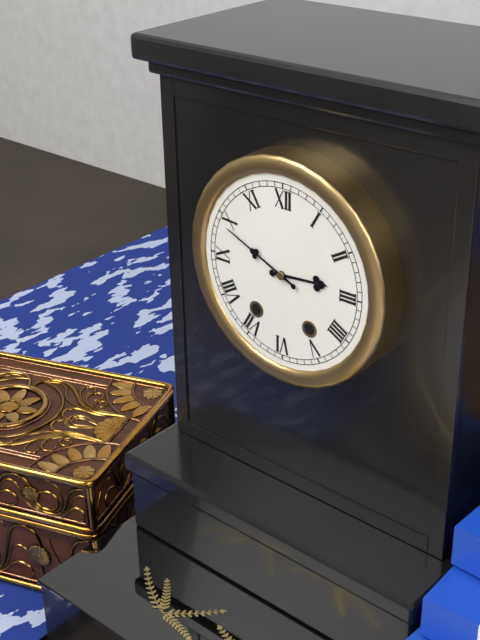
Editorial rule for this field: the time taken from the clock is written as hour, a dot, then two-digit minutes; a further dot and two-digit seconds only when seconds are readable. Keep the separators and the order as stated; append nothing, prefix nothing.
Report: 2.49
